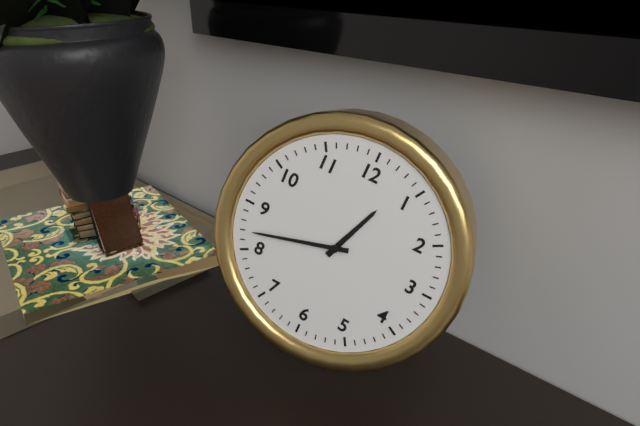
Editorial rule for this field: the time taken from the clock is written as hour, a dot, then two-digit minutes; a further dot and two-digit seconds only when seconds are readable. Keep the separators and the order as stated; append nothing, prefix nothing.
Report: 12.42
